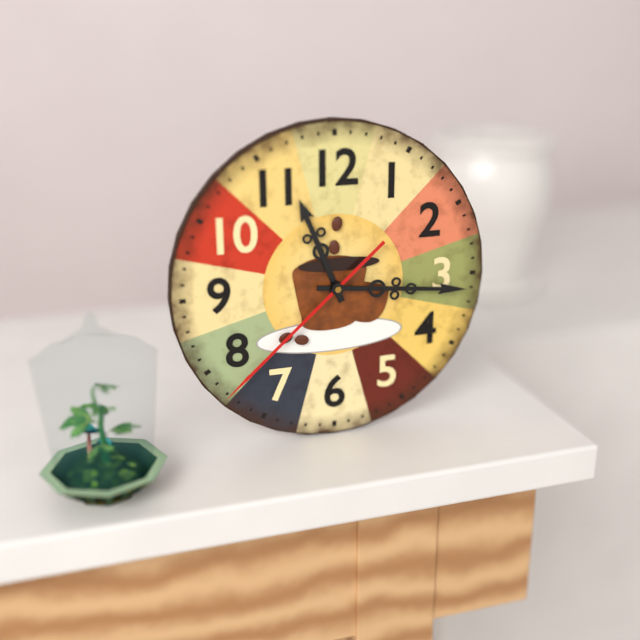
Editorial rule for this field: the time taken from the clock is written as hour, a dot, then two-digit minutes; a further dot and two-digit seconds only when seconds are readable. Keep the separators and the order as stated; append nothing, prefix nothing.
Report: 11.16.38
